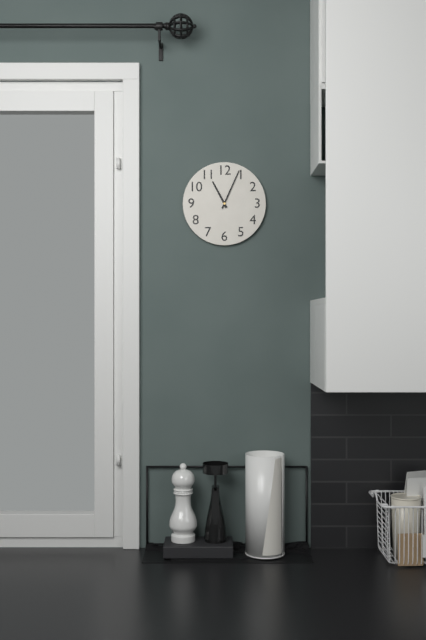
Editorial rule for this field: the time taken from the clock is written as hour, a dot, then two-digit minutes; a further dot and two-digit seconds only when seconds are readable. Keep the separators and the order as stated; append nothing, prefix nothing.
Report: 11.04
